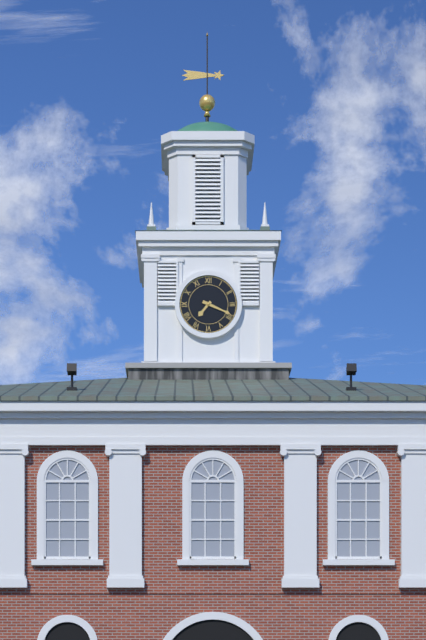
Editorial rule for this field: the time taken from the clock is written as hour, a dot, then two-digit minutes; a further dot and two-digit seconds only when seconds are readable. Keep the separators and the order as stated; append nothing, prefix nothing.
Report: 7.19
